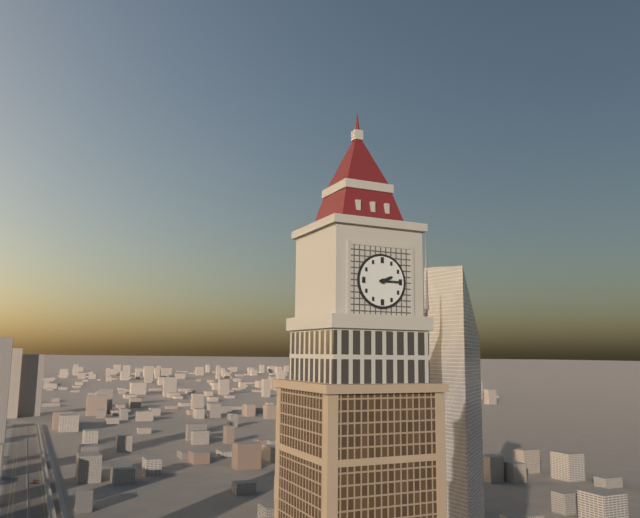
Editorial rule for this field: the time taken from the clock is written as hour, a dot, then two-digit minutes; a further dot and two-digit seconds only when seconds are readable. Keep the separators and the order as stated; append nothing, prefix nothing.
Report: 2.15
